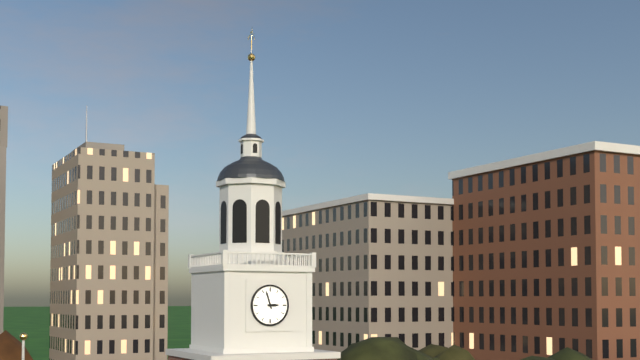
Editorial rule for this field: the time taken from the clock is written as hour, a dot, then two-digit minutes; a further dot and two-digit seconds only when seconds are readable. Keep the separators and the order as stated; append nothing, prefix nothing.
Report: 2.57
